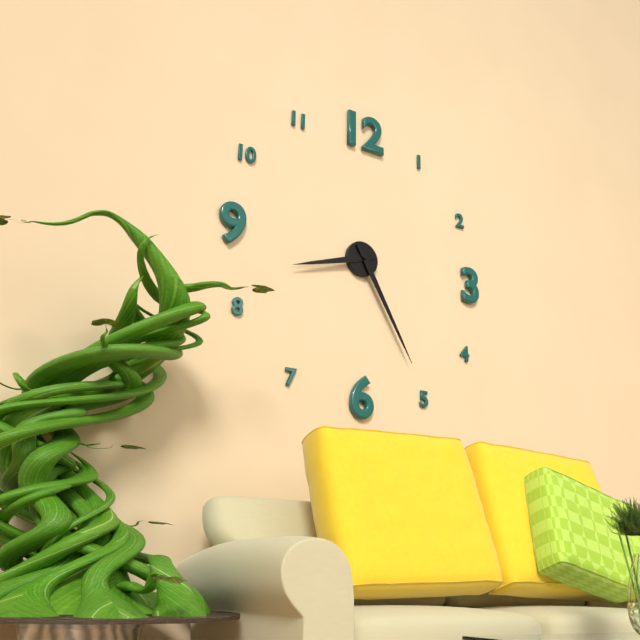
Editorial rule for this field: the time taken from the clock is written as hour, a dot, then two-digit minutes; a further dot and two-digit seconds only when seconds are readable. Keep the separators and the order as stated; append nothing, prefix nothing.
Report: 8.25
